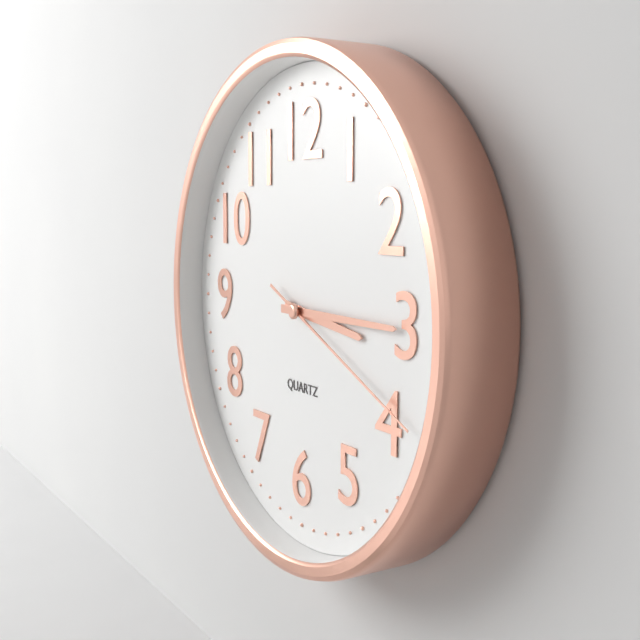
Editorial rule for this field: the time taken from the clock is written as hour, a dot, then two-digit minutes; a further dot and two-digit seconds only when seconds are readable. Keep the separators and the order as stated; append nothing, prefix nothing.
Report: 3.15.19
